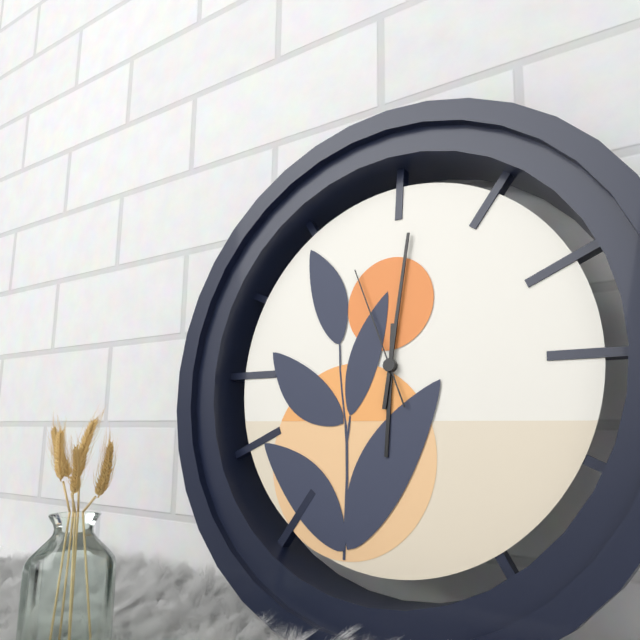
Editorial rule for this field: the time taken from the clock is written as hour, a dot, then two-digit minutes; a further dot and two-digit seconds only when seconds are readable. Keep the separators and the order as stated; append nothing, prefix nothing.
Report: 6.01.56
